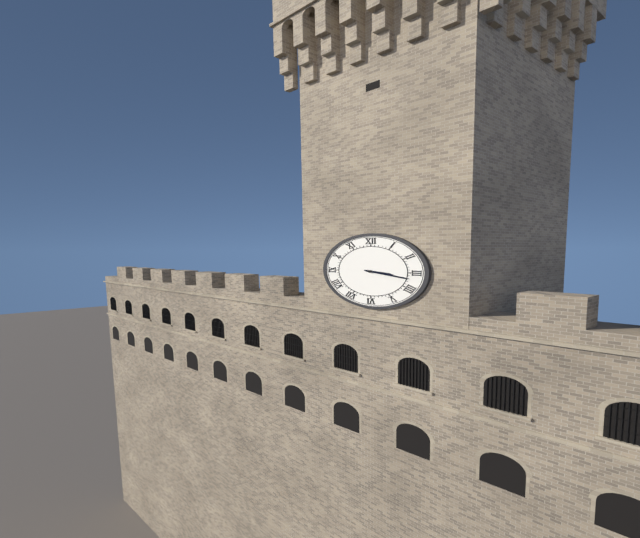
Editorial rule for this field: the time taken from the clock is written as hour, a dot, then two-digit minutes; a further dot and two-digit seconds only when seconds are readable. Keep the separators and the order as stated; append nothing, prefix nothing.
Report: 3.17
